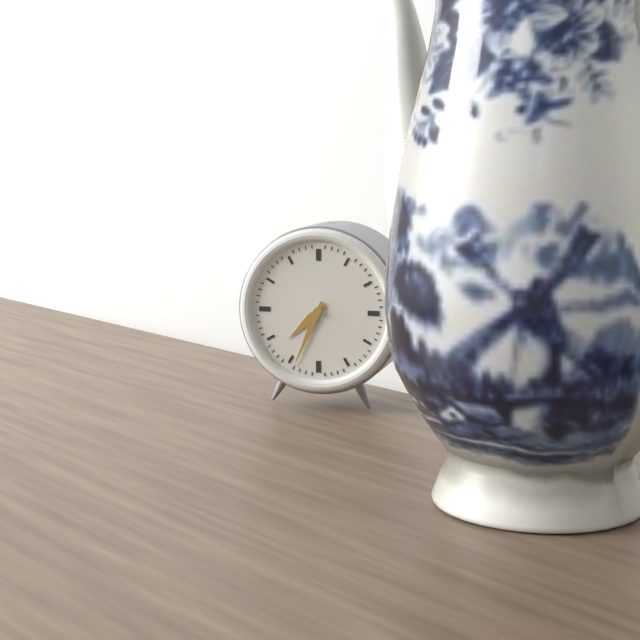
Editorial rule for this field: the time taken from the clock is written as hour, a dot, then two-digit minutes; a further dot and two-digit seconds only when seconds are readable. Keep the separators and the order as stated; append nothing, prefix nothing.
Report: 7.34
